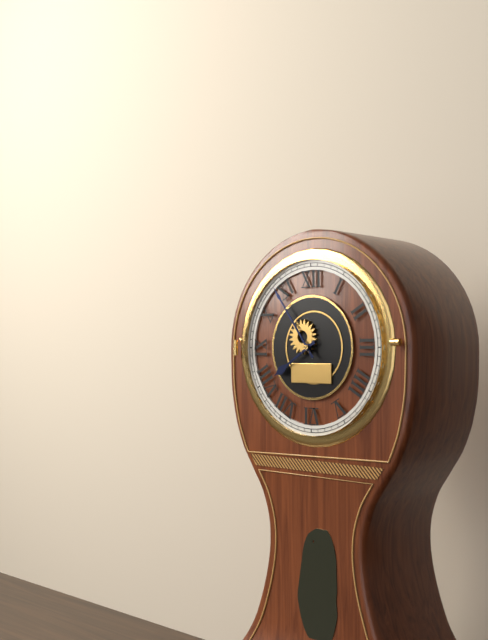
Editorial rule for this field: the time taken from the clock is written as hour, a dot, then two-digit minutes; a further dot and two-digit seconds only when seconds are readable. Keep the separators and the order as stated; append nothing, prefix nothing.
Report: 7.54
